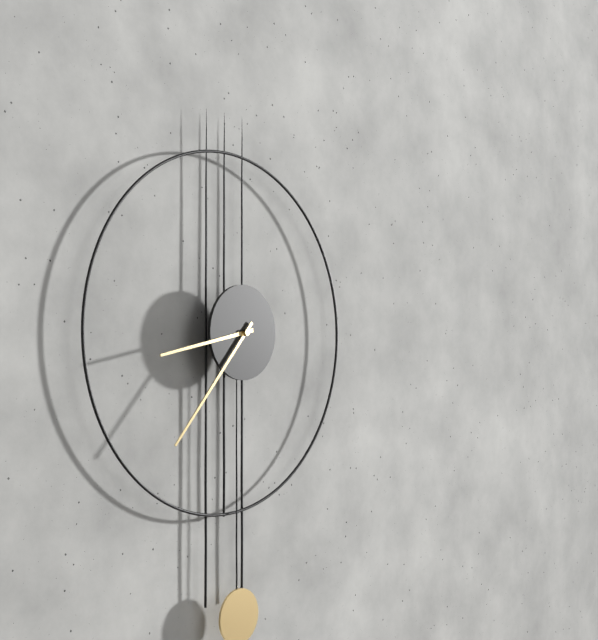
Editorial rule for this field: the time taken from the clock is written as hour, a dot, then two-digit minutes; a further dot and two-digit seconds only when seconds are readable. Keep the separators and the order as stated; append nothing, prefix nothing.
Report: 8.37
